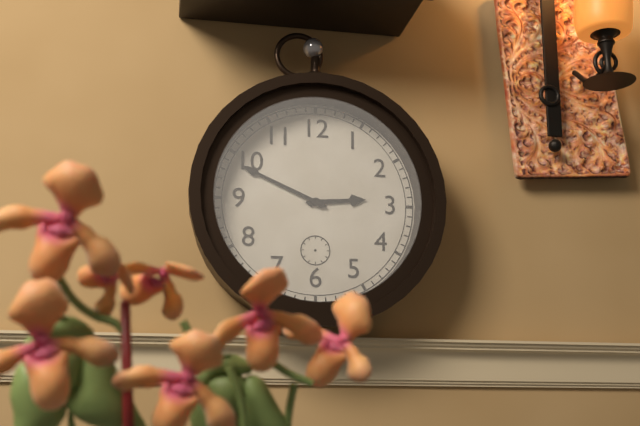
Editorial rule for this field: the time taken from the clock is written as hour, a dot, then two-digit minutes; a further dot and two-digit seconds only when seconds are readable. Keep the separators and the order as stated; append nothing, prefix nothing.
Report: 2.49
